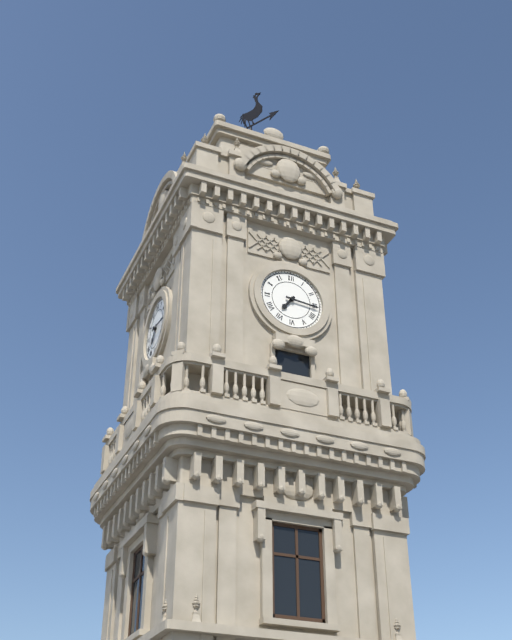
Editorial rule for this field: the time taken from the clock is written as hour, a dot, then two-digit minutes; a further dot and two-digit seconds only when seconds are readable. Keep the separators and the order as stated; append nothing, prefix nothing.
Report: 7.16
